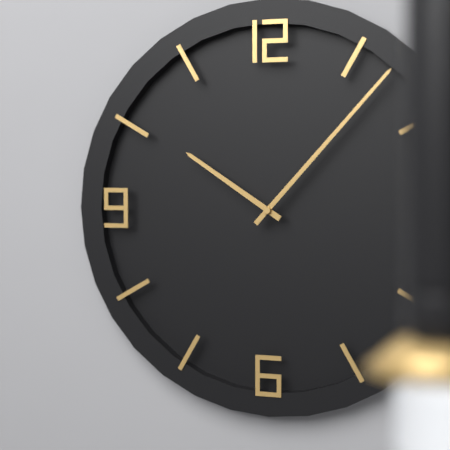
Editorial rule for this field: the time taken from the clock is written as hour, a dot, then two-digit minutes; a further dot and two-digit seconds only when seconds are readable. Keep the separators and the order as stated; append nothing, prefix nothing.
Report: 10.07
